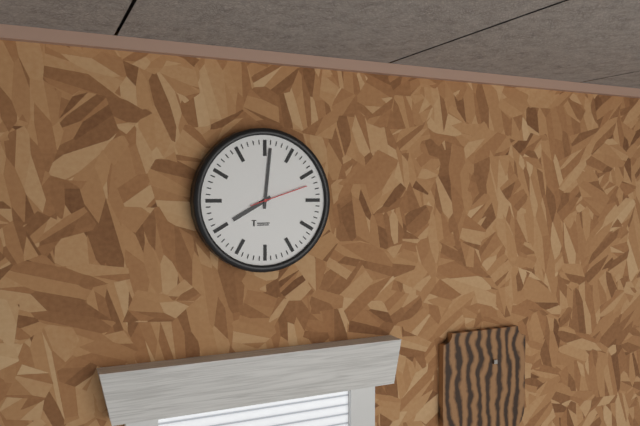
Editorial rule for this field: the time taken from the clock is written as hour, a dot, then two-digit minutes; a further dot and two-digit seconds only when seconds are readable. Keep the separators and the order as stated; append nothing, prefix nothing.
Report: 8.01.12
